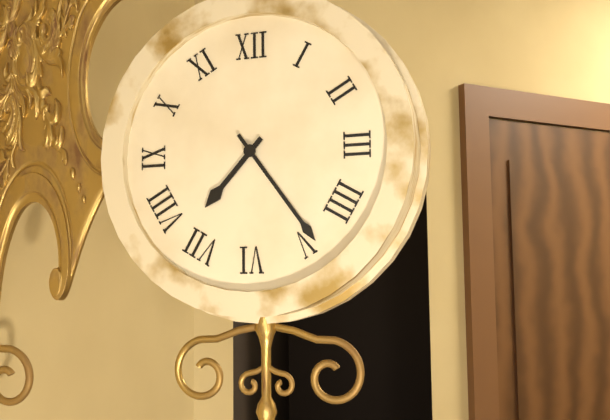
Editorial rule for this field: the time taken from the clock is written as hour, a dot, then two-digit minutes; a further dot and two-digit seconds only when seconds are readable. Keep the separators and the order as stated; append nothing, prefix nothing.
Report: 7.24
